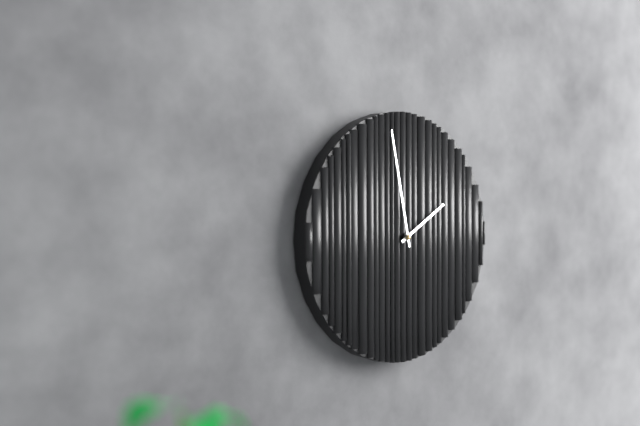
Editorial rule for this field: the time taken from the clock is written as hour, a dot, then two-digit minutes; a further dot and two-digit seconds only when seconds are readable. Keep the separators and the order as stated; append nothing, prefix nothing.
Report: 1.58
